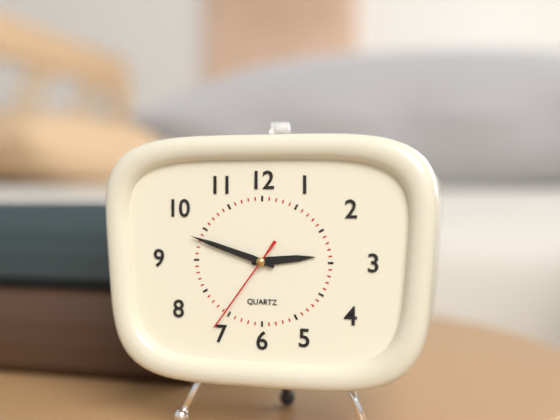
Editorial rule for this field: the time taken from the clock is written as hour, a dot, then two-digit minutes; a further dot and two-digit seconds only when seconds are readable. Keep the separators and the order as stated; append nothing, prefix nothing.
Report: 2.48.36
